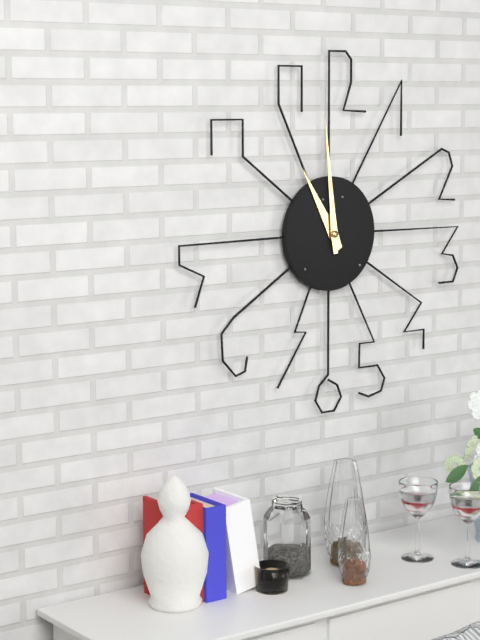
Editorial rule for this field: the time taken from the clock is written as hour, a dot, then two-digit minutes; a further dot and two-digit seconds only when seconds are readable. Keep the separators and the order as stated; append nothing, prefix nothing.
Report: 10.59
